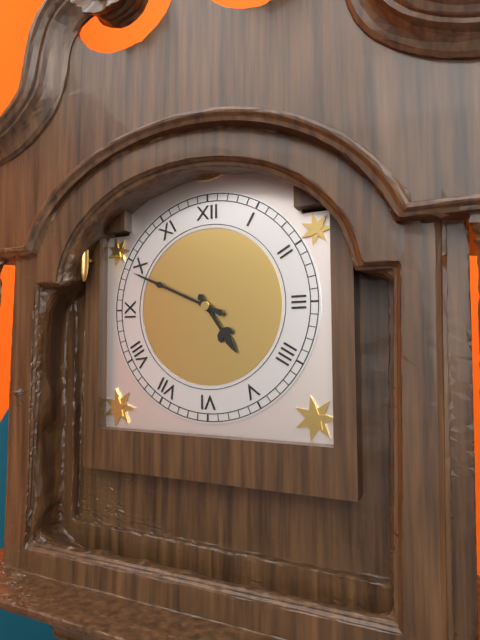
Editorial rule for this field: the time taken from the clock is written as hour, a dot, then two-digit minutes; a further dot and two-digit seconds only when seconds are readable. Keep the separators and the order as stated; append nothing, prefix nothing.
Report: 4.49
